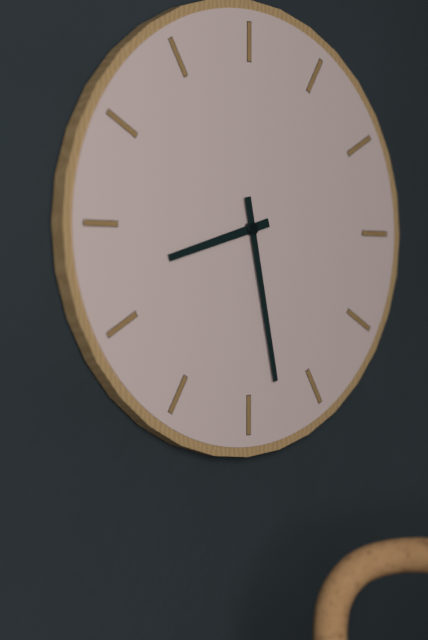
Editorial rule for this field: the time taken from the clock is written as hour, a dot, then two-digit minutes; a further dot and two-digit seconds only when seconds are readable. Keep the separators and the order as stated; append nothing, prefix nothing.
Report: 8.28
